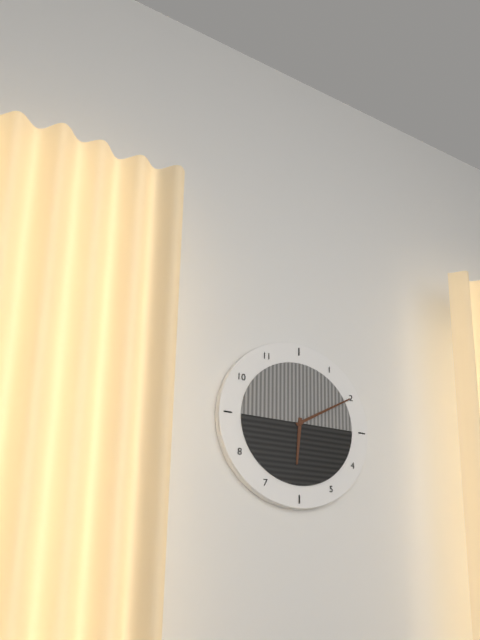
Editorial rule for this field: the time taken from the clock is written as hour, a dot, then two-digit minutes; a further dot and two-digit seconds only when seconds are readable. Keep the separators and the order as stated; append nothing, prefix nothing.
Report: 6.10
